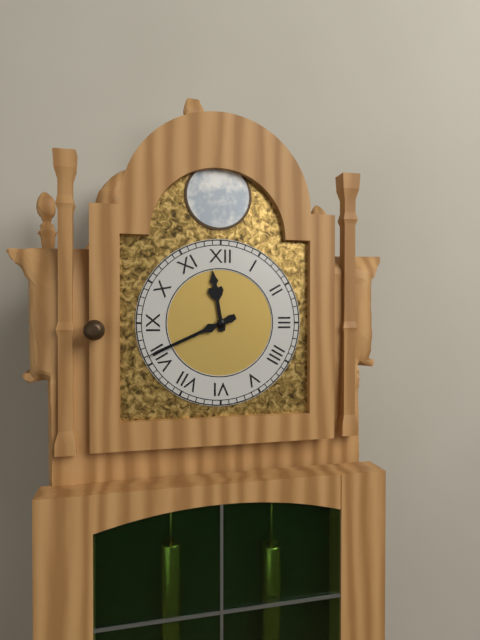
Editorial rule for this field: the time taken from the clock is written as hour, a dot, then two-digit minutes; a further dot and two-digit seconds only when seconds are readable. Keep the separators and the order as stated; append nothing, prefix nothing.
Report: 11.41
